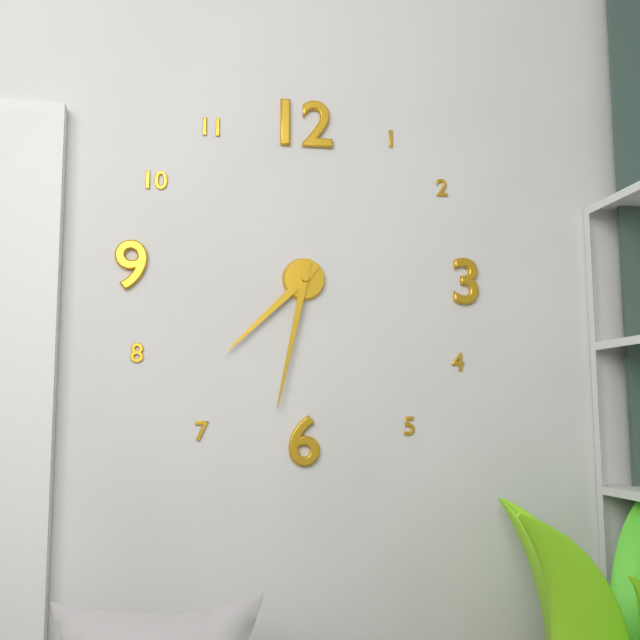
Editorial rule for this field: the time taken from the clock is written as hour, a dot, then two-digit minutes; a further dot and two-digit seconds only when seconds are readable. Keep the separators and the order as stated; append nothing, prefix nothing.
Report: 7.32
